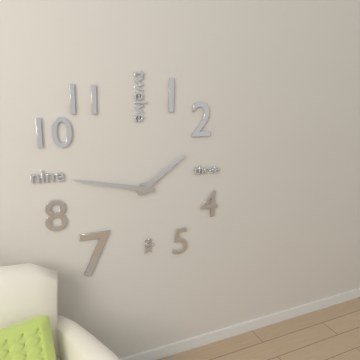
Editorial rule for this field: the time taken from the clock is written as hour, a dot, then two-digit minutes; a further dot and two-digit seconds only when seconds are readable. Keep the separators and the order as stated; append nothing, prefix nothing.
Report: 1.47
